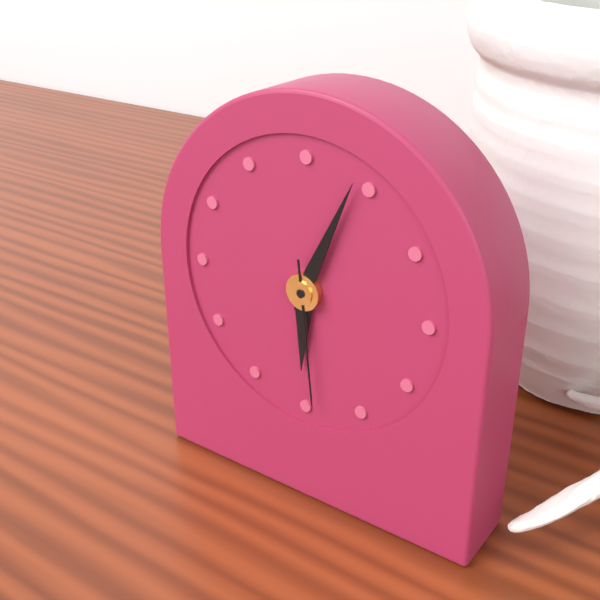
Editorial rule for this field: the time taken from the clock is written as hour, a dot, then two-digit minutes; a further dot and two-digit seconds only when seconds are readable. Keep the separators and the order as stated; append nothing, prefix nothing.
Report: 6.04.29
